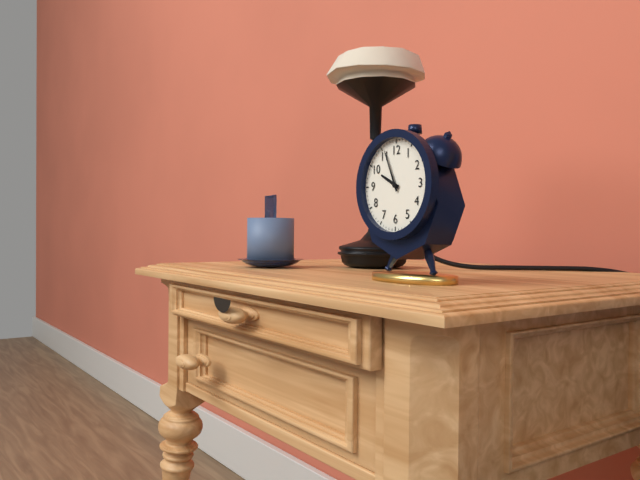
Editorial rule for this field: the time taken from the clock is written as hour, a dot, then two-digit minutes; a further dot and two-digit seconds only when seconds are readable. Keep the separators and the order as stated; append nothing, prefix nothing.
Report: 9.56
